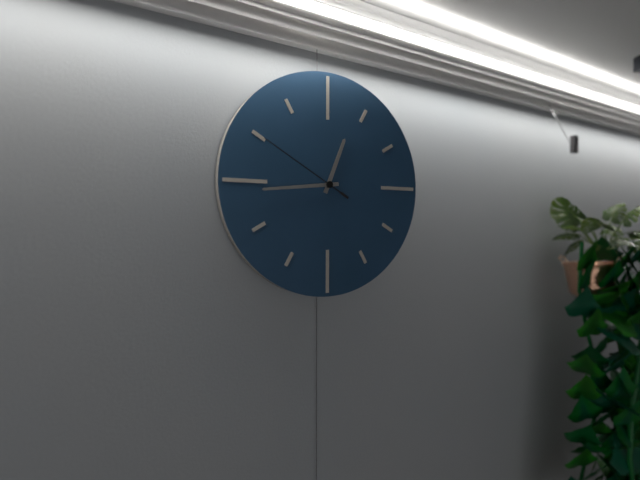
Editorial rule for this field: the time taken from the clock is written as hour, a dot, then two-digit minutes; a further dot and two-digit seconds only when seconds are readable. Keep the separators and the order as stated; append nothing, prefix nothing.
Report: 12.44.50
